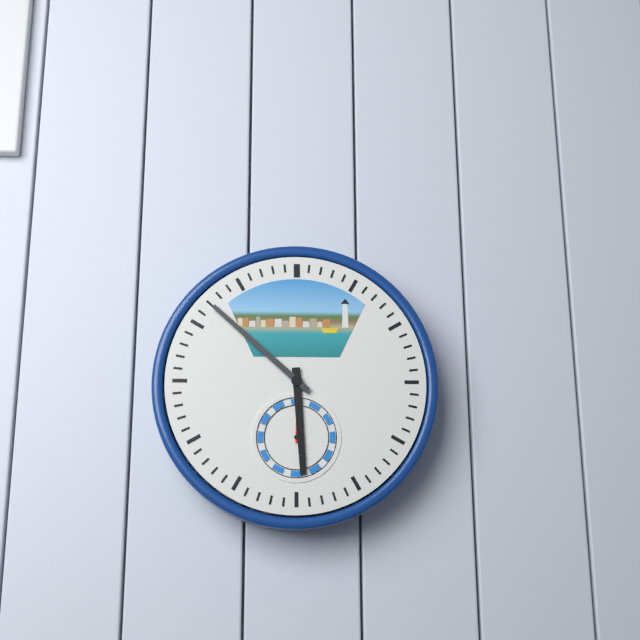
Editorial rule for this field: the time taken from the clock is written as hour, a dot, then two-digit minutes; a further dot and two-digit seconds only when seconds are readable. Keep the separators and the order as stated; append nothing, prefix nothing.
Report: 5.52
